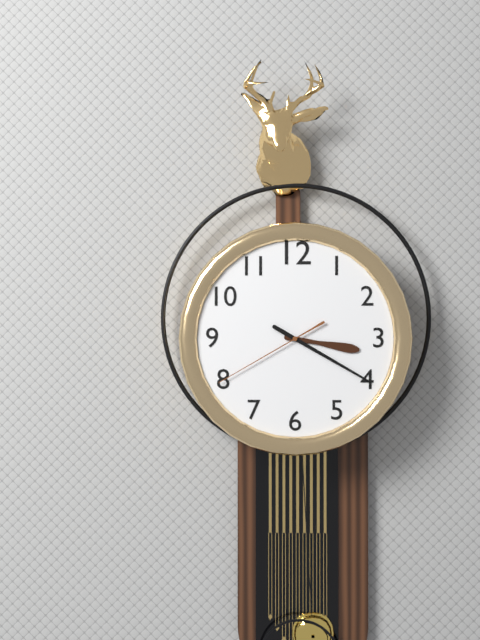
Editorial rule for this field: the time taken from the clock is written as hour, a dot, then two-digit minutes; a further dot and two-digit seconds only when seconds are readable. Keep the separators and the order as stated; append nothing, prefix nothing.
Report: 3.20.40
